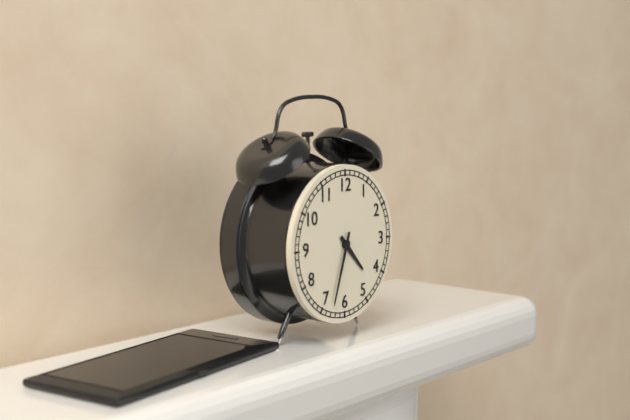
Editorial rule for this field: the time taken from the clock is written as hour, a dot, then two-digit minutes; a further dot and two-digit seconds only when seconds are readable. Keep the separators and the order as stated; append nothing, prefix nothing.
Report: 4.33
